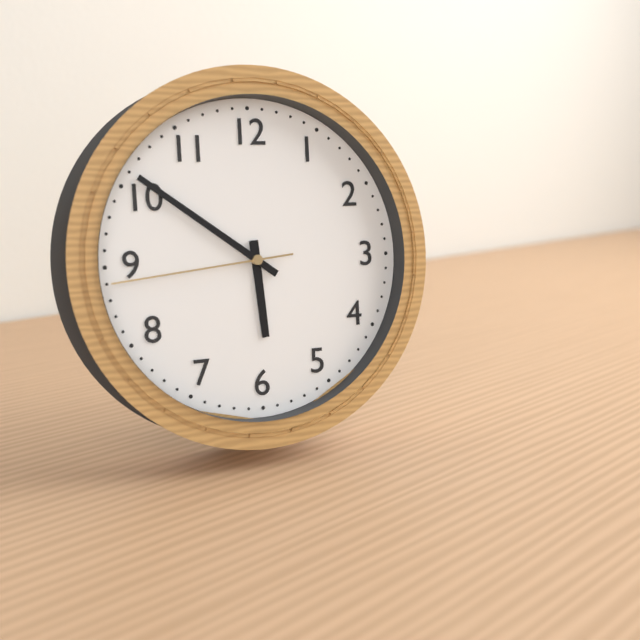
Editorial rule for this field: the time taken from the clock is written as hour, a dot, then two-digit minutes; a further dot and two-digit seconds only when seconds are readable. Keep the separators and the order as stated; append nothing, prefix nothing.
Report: 5.51.44
